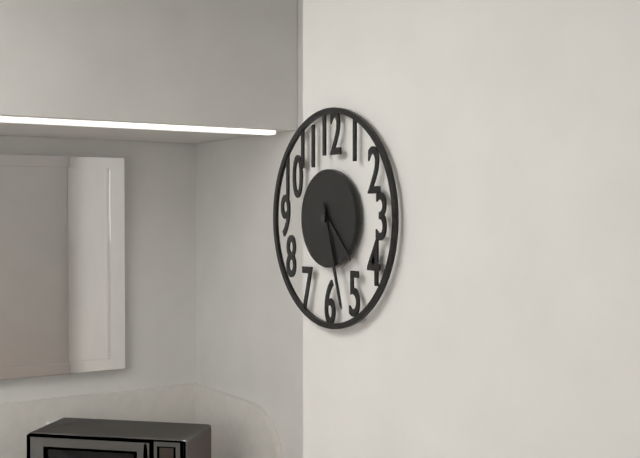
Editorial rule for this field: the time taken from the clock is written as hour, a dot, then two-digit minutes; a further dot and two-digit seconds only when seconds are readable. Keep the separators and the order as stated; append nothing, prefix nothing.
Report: 4.27
